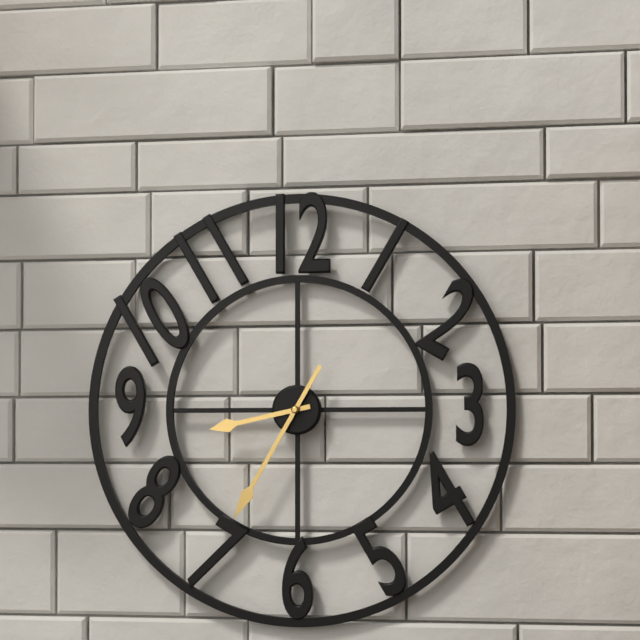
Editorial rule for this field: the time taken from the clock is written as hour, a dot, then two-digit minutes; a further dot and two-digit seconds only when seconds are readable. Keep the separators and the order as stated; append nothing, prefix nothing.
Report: 8.35
